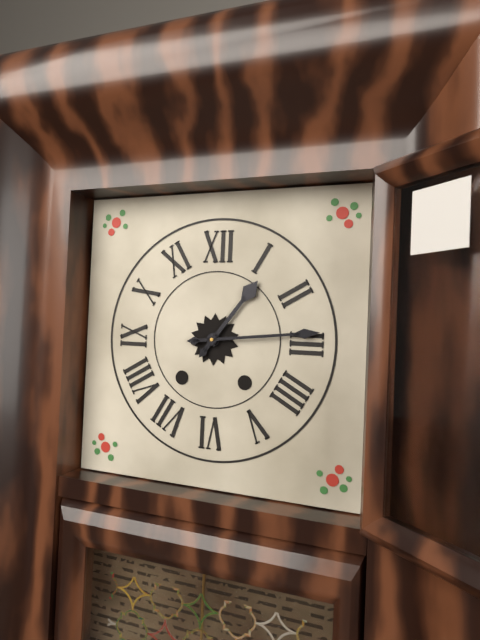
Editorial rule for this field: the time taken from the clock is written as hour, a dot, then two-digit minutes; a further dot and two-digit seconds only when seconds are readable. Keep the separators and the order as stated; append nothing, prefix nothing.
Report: 1.14
